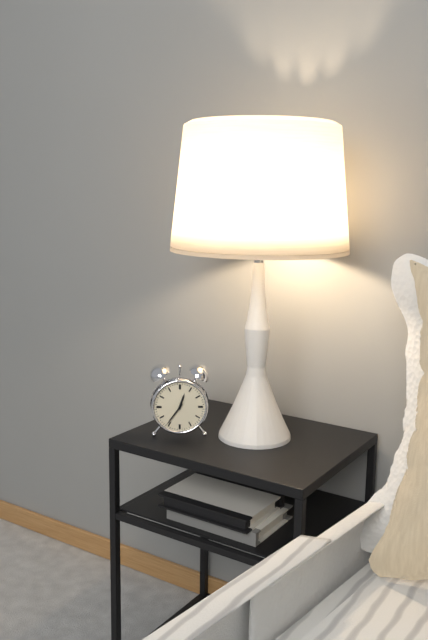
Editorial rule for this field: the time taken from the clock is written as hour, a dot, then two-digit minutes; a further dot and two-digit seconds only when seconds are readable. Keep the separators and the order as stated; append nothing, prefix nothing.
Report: 12.36
